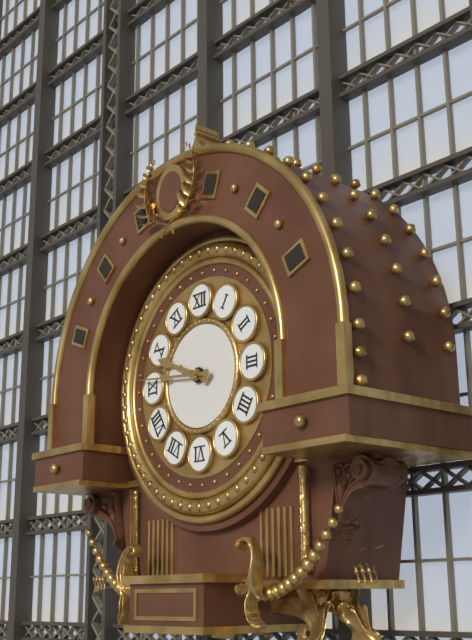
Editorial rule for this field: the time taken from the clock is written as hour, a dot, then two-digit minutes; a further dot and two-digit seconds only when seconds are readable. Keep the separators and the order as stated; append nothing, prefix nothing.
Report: 9.46
